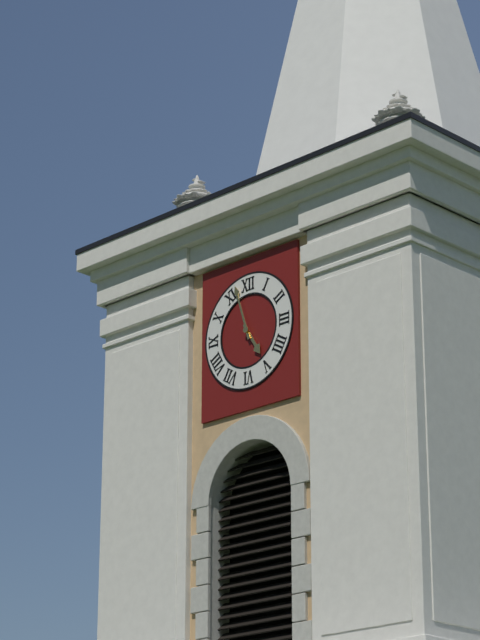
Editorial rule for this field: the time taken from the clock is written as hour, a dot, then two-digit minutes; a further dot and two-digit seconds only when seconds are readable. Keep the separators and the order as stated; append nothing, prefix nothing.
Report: 4.57
